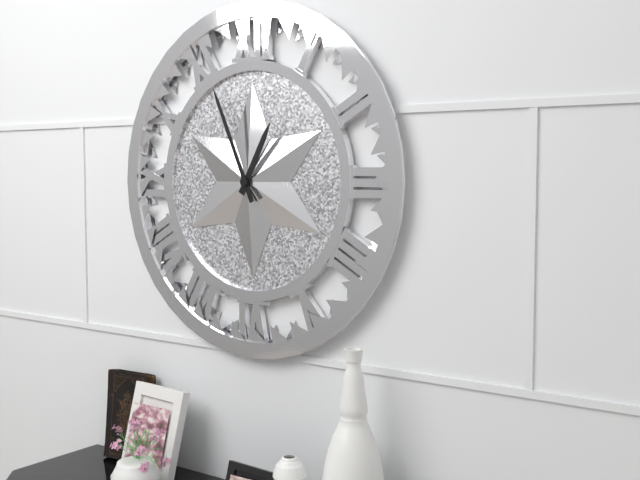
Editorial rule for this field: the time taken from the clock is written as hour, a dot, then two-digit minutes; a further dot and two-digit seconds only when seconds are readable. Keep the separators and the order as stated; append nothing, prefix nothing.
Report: 12.56
